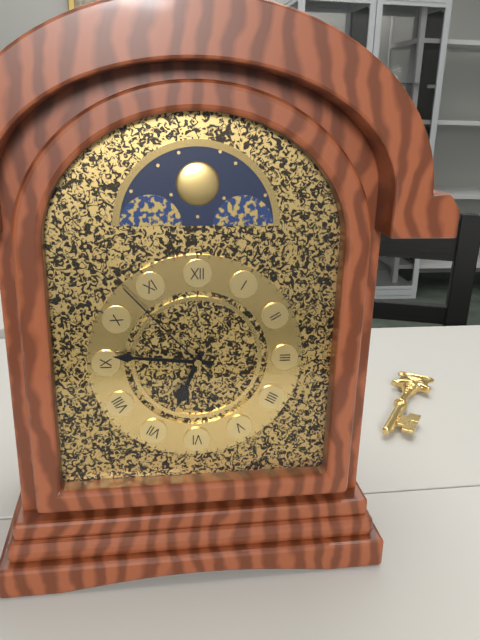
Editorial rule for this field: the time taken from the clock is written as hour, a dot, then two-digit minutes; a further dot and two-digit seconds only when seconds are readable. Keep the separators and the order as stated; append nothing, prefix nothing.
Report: 6.46.53
